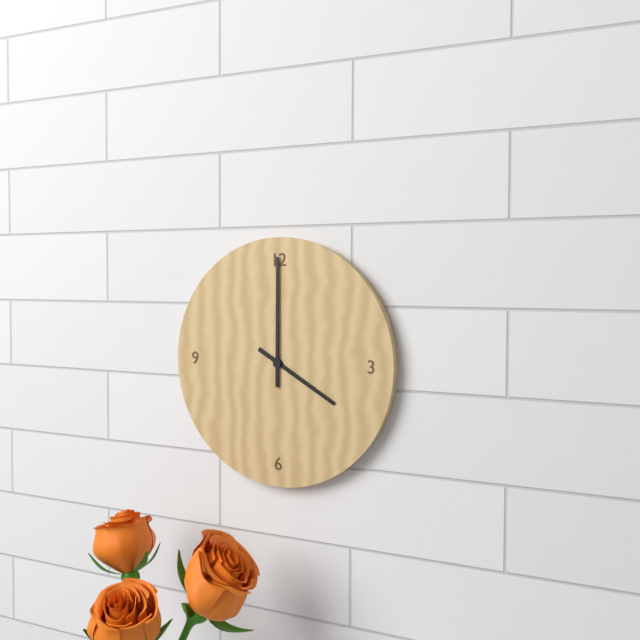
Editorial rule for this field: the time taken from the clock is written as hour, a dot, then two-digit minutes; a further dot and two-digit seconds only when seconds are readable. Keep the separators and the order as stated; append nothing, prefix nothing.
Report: 4.00
